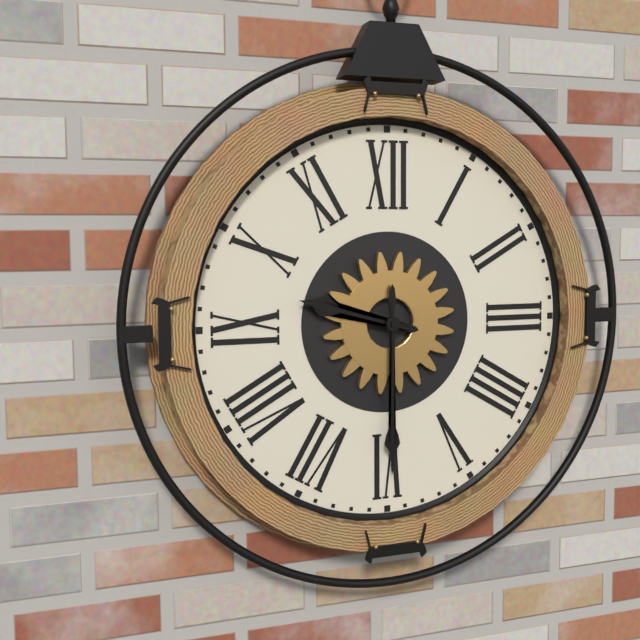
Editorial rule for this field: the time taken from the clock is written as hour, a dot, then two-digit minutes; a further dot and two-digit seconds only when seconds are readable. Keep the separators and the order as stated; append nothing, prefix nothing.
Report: 9.30
